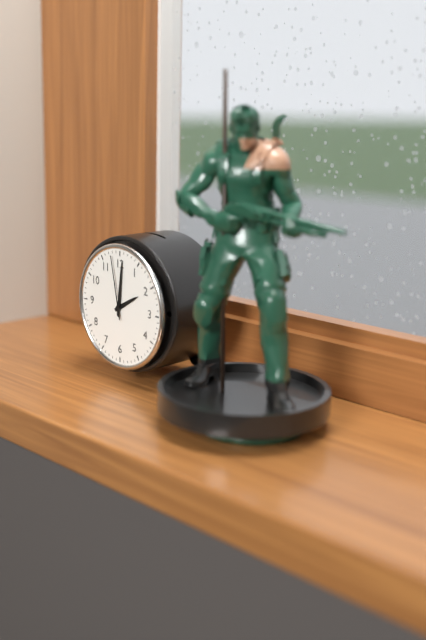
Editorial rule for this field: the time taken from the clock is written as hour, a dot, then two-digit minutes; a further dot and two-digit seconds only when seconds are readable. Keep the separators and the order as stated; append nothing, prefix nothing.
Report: 2.01.58
